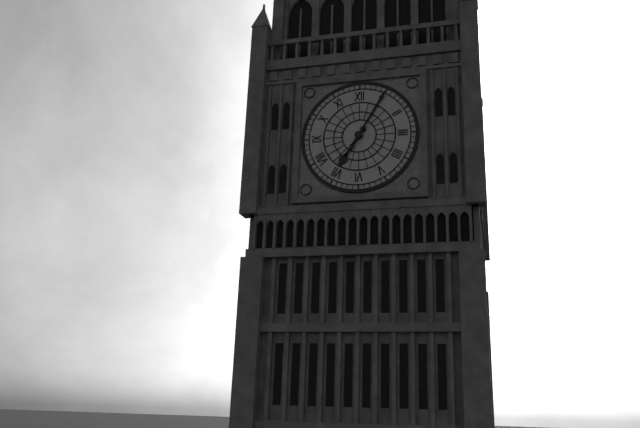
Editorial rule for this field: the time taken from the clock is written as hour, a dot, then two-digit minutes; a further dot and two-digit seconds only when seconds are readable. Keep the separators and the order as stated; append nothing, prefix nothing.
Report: 7.05
